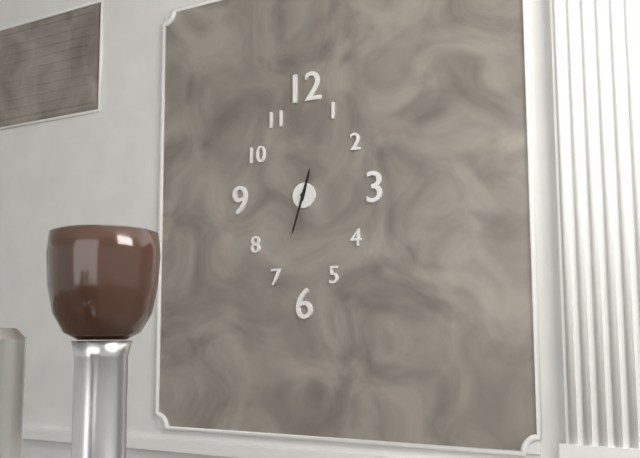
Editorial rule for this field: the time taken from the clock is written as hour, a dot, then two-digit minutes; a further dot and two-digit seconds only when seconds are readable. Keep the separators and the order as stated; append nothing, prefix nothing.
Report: 12.33
